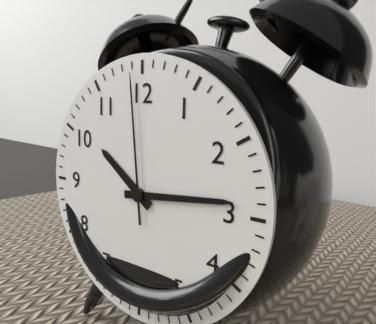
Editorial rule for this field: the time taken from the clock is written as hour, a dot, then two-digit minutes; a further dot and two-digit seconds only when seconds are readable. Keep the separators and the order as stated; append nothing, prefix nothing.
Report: 10.14.59
